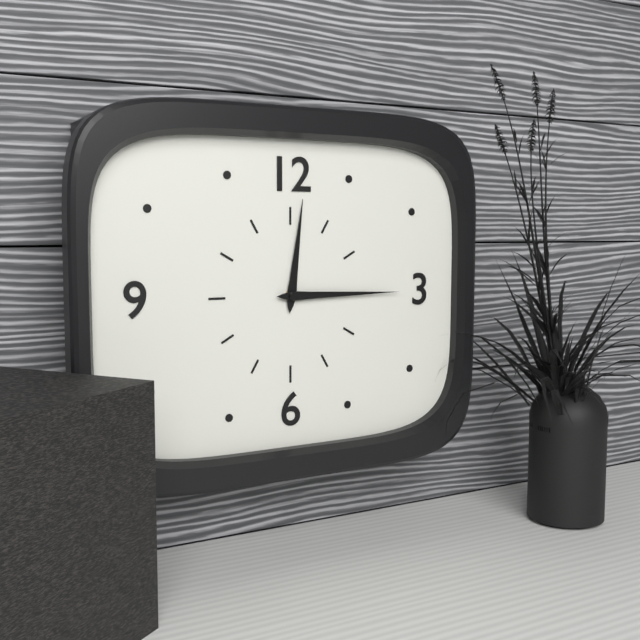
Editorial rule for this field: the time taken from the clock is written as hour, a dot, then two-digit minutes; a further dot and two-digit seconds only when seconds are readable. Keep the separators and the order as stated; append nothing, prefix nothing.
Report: 12.15
